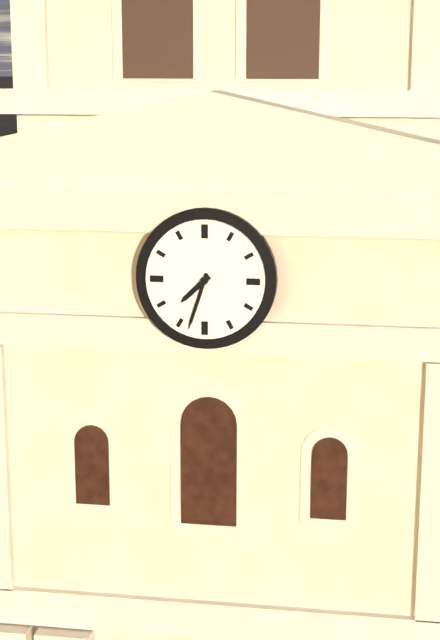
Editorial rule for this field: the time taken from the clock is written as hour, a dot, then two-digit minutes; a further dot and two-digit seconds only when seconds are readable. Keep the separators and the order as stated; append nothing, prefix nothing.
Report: 7.33
